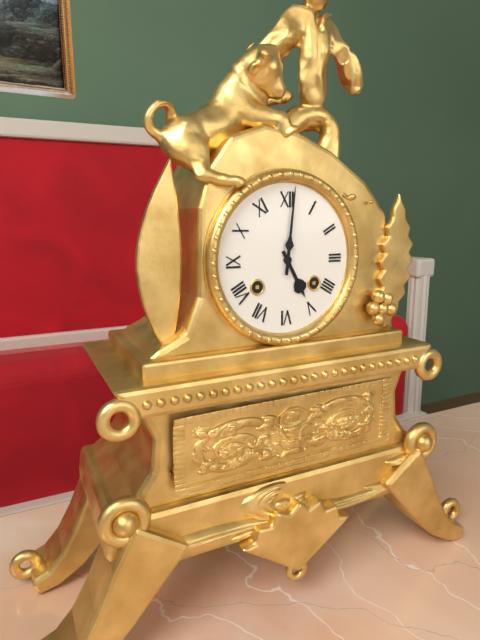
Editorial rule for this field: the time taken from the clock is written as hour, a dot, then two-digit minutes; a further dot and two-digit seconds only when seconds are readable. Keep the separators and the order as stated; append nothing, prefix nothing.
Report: 5.01
